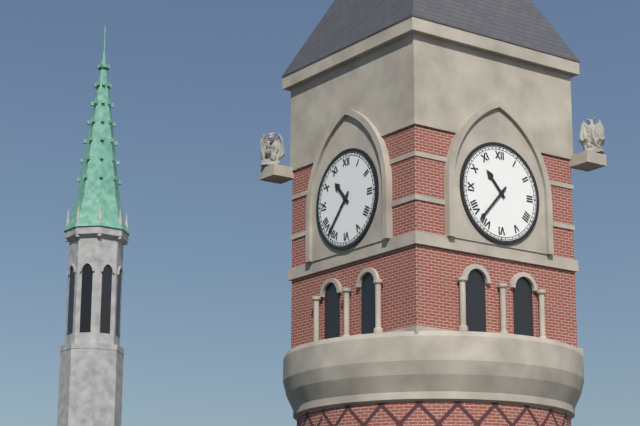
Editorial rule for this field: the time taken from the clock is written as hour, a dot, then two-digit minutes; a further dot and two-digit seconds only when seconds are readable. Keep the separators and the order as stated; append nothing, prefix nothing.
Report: 10.37
